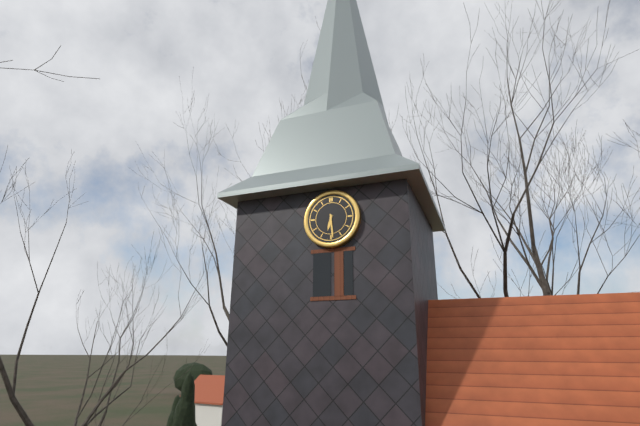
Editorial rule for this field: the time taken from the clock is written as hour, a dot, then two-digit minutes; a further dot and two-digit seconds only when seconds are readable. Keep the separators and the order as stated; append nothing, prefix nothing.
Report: 6.29
